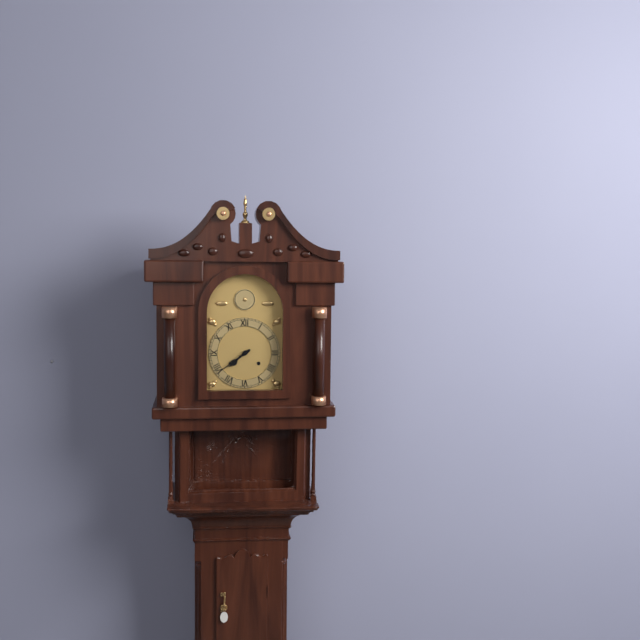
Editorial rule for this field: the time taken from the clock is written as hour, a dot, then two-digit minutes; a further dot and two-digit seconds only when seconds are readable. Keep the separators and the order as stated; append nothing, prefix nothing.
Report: 7.39
